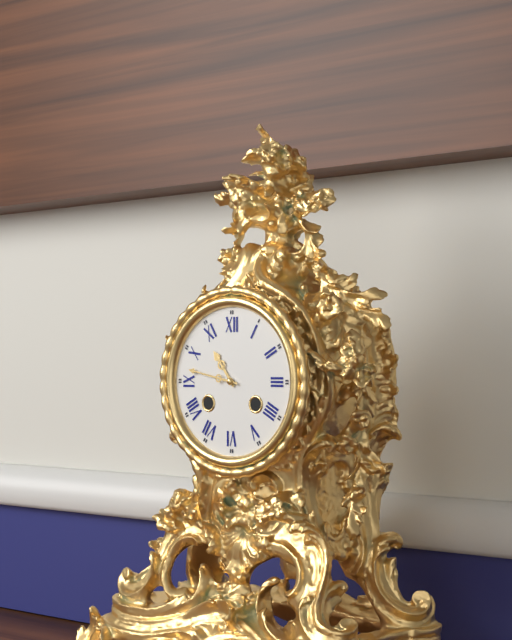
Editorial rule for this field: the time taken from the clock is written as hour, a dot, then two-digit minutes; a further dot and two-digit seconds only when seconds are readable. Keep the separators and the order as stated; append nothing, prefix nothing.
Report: 10.47
